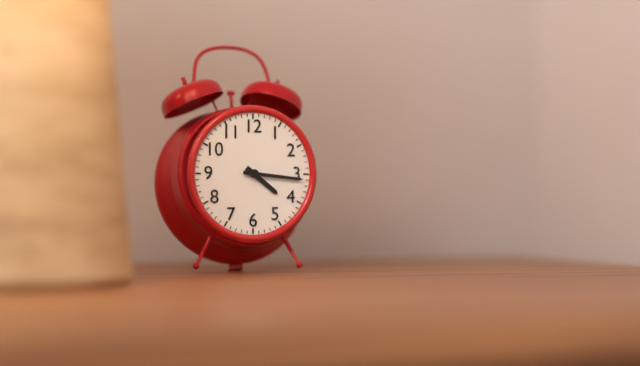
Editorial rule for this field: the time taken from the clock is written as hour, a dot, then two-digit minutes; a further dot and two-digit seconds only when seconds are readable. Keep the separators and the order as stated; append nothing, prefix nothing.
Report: 4.16
